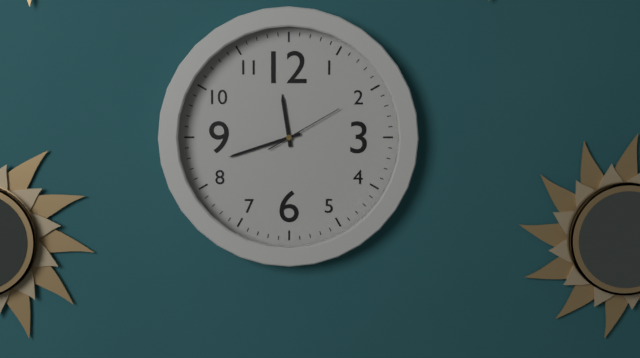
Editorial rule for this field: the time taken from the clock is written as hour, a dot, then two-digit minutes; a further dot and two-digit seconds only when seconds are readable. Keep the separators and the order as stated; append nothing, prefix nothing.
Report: 11.42.10
